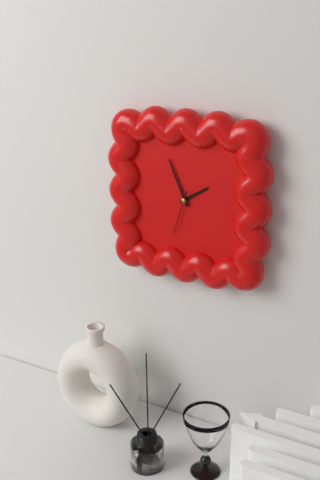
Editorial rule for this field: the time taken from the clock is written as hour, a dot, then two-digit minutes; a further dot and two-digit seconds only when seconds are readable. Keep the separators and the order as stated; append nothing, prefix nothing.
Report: 1.56
